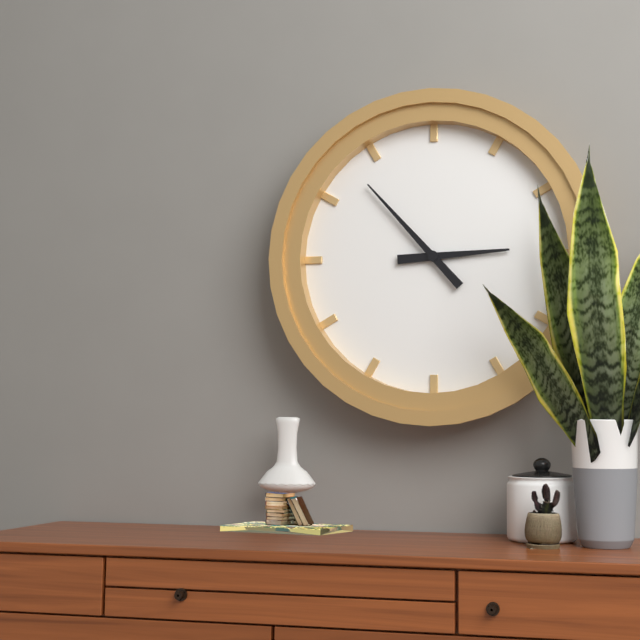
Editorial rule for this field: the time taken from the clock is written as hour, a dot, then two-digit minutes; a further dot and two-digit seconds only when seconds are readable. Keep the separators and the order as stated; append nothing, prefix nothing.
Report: 2.53
